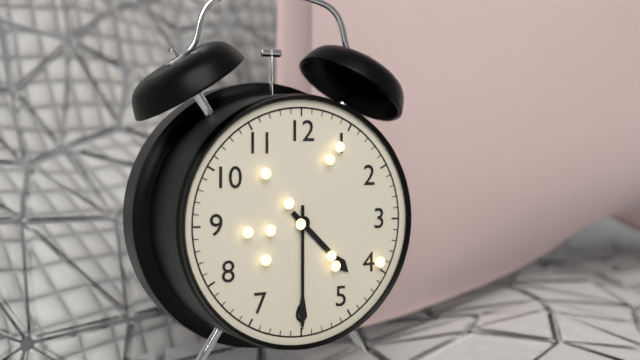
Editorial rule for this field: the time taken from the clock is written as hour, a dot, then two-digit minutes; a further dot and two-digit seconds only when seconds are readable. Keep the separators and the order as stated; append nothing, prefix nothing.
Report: 4.30
